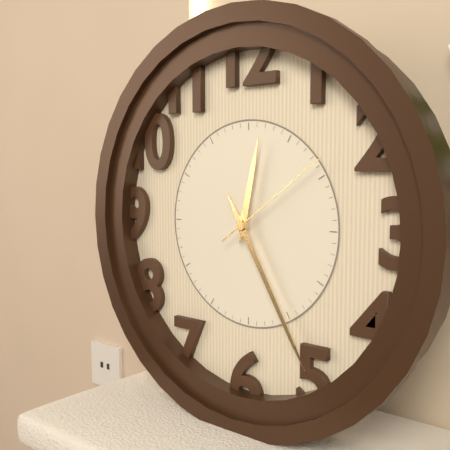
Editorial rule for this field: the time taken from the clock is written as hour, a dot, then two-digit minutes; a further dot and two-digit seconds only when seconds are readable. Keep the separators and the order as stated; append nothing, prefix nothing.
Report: 12.25.09
